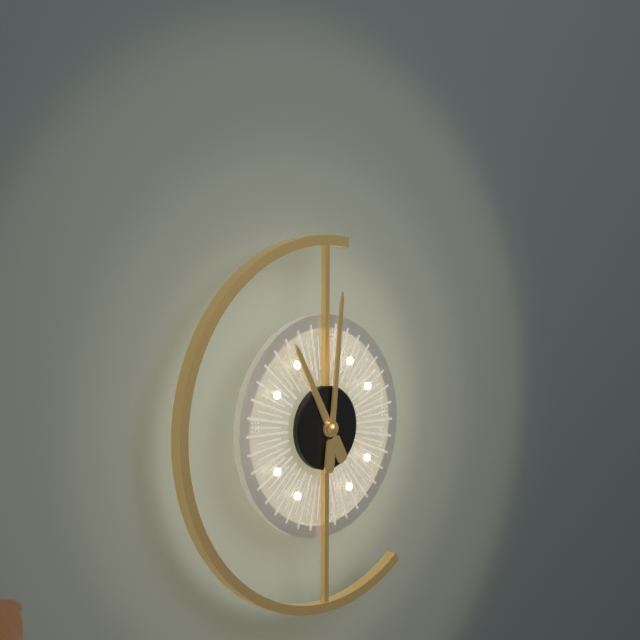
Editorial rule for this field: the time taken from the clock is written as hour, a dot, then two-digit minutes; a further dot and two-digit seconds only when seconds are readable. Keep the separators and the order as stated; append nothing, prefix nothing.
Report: 11.01
